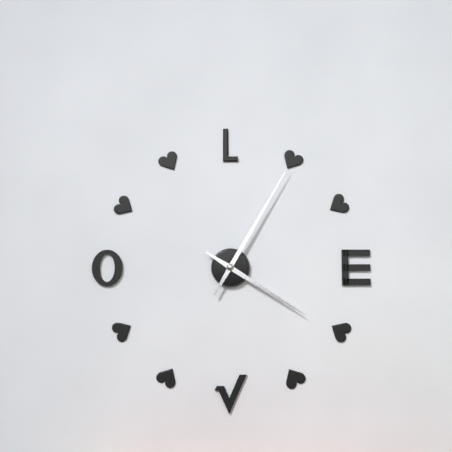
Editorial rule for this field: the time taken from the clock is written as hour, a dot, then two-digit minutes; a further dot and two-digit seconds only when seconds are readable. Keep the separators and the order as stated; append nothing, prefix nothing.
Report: 4.05
